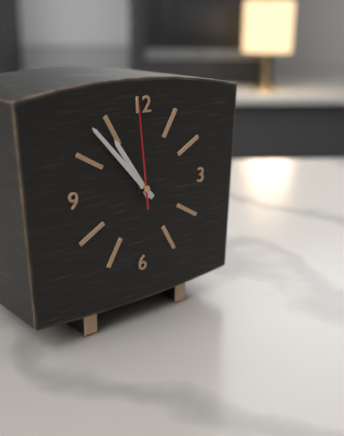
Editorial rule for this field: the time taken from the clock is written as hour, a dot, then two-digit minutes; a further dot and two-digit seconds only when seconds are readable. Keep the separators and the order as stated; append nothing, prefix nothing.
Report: 10.53.59
